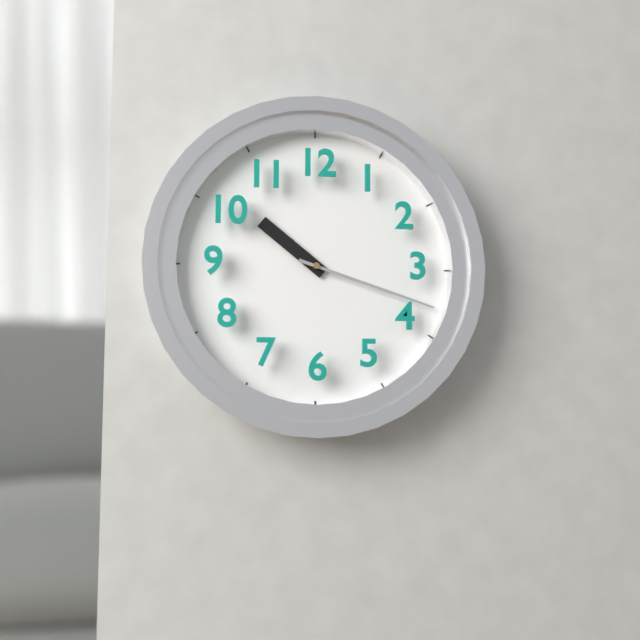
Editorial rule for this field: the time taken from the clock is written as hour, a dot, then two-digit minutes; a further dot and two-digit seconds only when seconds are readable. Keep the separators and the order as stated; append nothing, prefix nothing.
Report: 10.18
